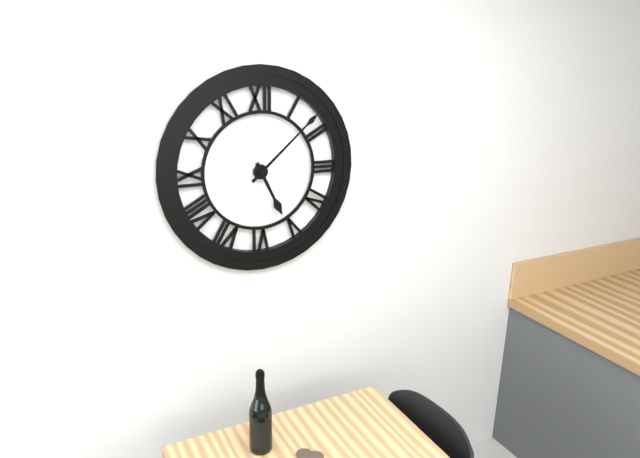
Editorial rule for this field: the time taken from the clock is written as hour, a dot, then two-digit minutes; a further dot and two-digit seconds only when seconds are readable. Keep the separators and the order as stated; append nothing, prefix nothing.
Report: 5.08
